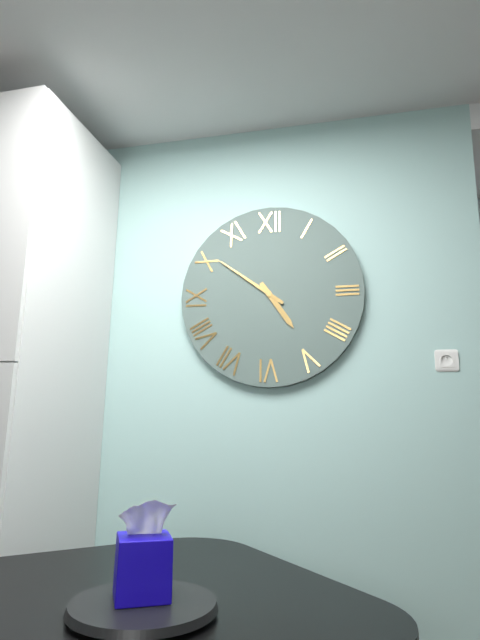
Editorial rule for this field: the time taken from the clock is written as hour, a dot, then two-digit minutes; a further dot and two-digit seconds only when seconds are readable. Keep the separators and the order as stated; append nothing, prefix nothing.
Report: 4.51
